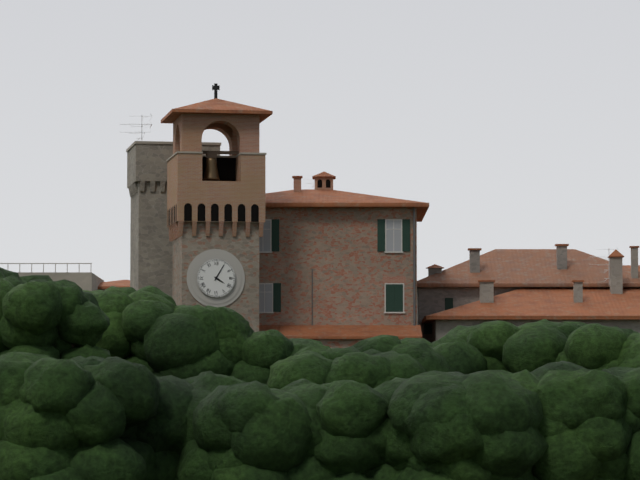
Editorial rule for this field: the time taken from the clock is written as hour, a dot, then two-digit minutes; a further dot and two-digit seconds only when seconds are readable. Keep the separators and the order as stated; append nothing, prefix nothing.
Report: 4.05
